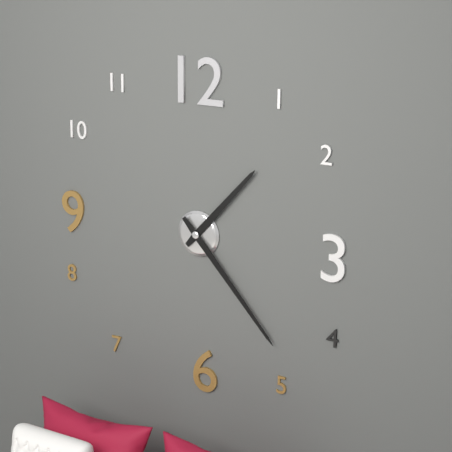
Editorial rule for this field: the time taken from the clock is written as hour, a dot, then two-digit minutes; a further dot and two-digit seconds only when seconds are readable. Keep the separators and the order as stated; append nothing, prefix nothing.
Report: 1.23
